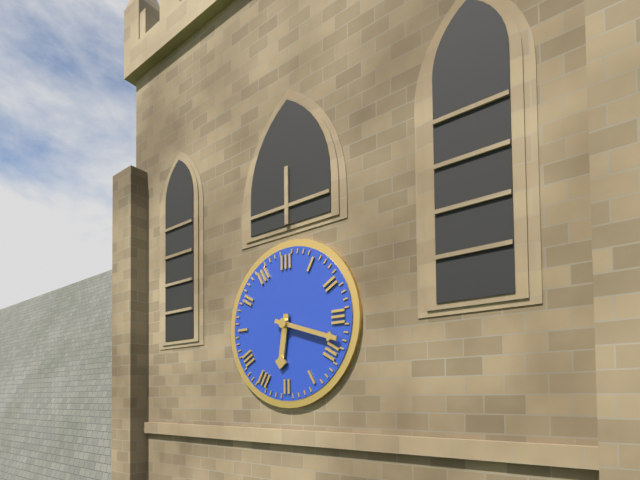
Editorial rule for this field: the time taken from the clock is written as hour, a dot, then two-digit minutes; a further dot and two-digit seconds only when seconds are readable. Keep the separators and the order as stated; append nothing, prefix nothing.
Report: 6.18
